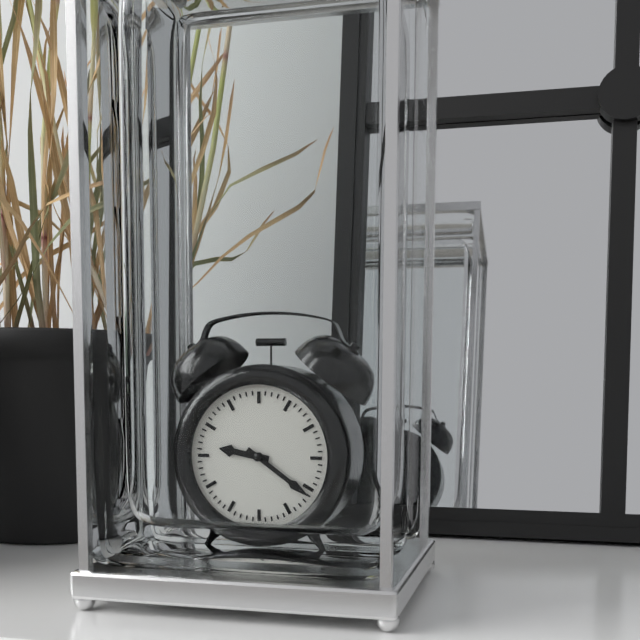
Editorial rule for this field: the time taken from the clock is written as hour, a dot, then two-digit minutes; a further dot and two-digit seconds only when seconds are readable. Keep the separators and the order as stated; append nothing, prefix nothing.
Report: 9.21
